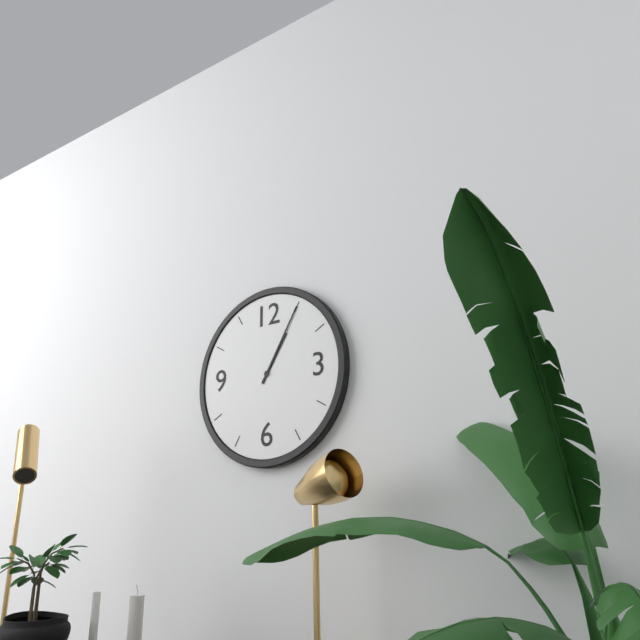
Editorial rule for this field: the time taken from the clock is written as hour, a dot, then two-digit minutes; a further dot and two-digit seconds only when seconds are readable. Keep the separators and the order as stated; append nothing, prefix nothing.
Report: 1.05
